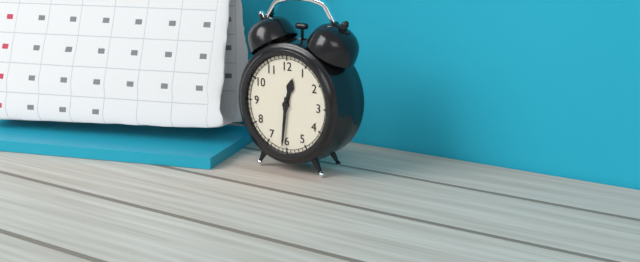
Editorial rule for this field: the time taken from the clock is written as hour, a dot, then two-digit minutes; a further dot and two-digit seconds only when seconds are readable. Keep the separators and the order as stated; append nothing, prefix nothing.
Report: 12.31
